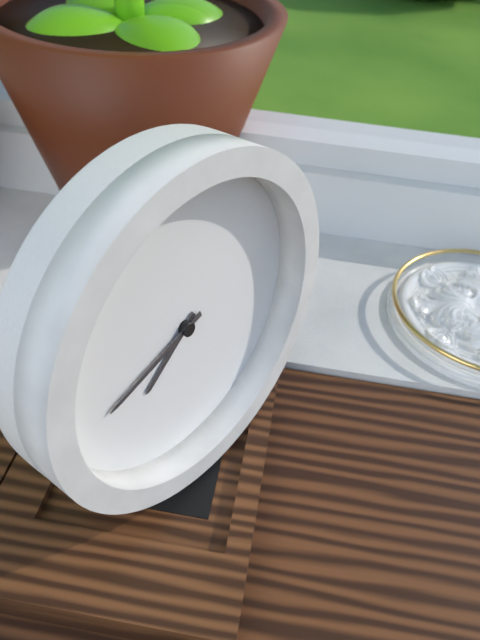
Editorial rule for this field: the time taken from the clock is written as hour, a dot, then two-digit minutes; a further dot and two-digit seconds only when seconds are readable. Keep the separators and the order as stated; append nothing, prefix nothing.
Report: 7.42
